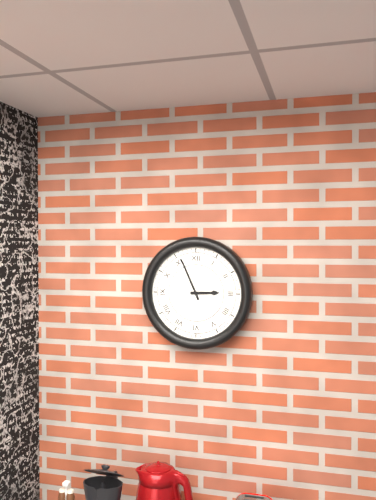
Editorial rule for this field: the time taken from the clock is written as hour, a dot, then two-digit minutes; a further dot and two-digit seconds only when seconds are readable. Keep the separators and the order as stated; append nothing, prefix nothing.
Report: 2.56
